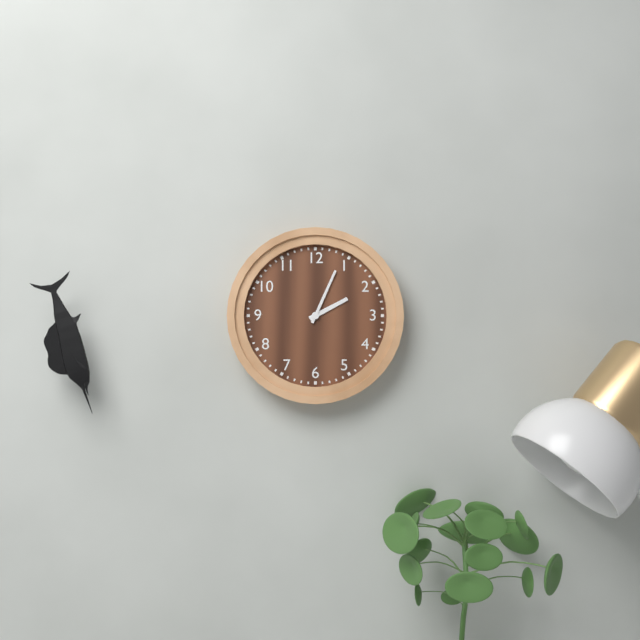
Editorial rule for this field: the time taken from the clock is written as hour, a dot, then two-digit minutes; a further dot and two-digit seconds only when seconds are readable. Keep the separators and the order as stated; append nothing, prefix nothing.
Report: 2.04
